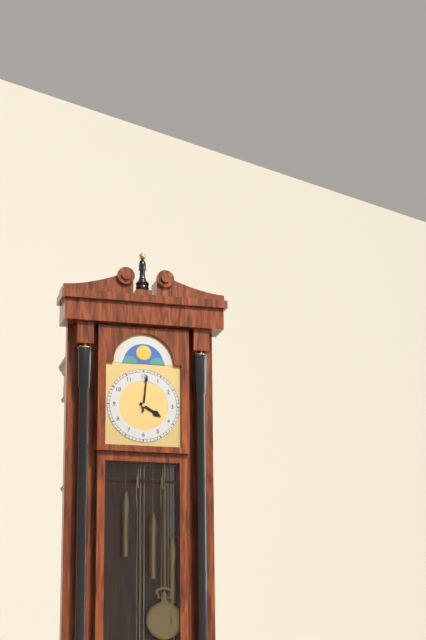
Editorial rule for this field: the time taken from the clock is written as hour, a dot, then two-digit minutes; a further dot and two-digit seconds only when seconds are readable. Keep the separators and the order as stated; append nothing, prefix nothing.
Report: 4.01
